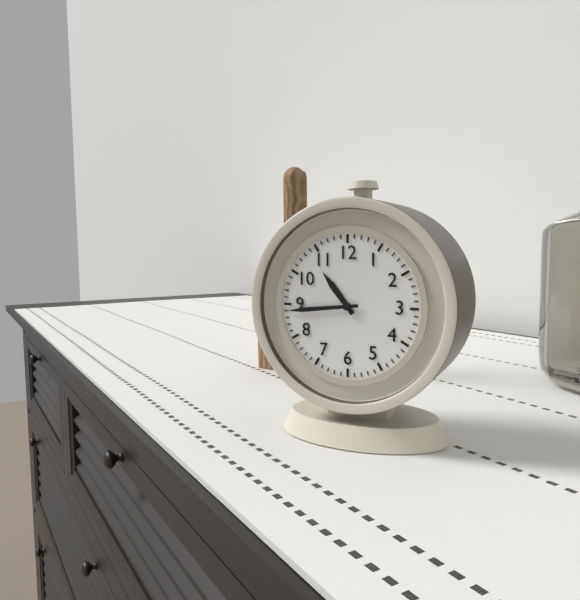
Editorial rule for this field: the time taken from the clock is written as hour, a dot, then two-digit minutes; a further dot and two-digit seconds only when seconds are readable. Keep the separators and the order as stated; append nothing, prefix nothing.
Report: 10.44
